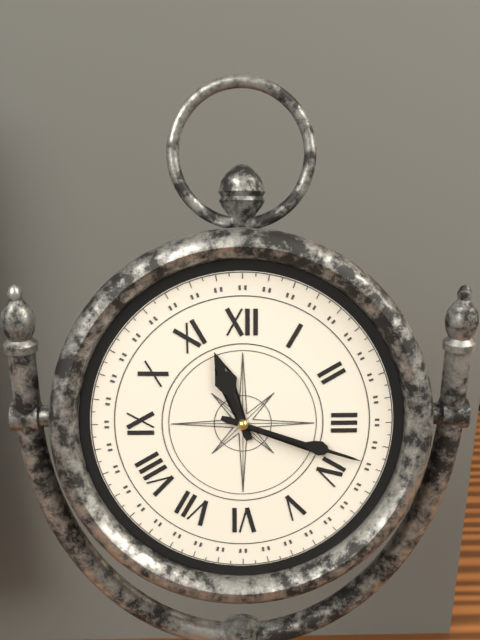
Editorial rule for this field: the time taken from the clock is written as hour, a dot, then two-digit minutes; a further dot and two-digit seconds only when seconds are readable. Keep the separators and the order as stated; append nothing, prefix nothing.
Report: 11.18
